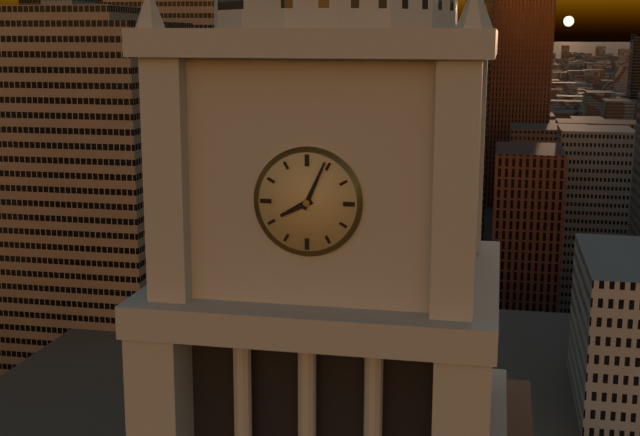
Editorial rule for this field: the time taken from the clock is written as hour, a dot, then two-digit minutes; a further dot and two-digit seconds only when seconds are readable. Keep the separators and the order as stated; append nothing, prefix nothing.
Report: 8.04
